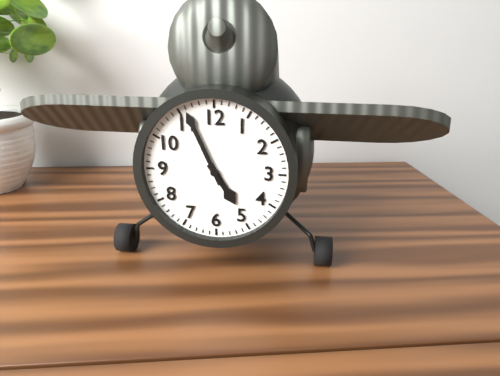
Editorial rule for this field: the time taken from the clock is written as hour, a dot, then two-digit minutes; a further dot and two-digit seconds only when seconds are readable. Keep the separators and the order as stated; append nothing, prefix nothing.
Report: 4.56
